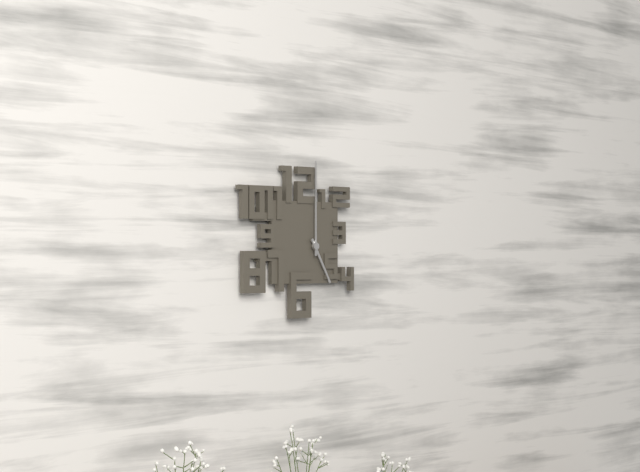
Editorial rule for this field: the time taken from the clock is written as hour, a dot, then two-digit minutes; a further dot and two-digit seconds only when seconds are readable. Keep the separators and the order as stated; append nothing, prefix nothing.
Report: 5.00
